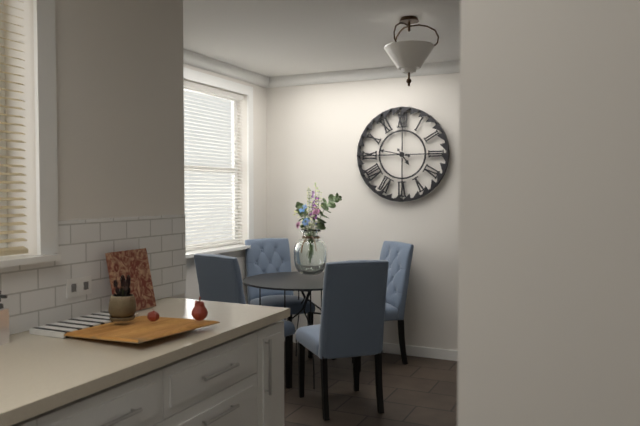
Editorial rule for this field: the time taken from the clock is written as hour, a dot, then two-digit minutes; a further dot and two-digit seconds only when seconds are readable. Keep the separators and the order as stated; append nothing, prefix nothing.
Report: 4.47
